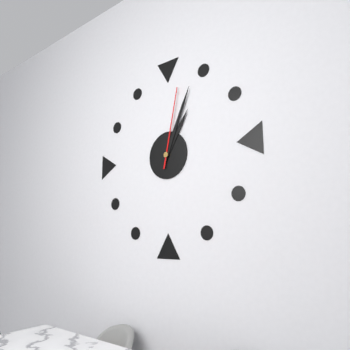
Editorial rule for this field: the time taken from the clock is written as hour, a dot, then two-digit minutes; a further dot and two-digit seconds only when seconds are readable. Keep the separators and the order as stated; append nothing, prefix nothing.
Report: 1.04.02
